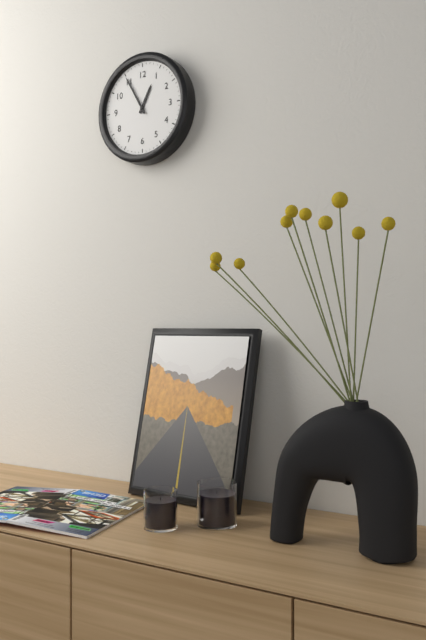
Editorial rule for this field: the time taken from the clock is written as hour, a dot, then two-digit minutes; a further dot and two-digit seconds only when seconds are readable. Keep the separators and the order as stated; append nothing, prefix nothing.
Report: 12.55
